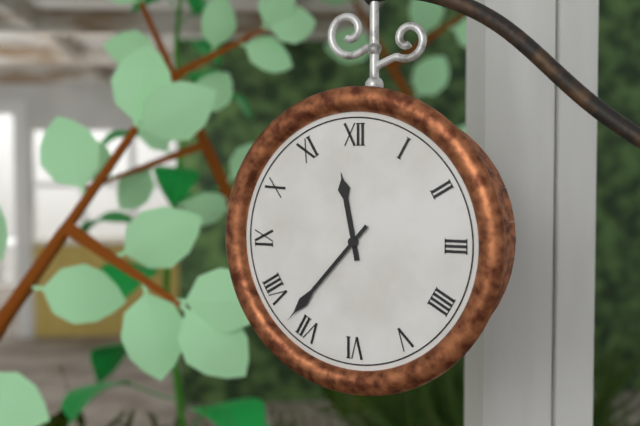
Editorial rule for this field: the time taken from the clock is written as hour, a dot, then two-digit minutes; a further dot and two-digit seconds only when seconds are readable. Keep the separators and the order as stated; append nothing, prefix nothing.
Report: 11.37
